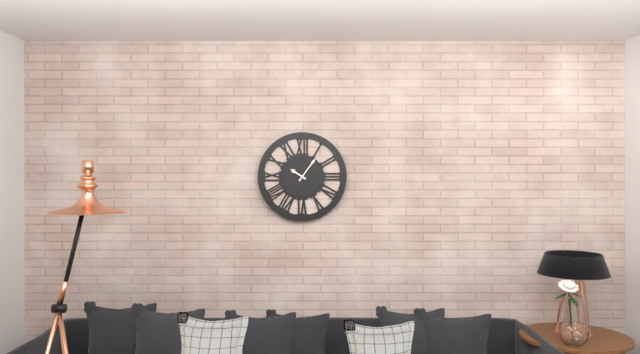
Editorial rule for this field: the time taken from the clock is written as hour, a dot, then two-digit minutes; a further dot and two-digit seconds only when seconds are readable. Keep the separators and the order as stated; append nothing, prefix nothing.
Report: 10.06
